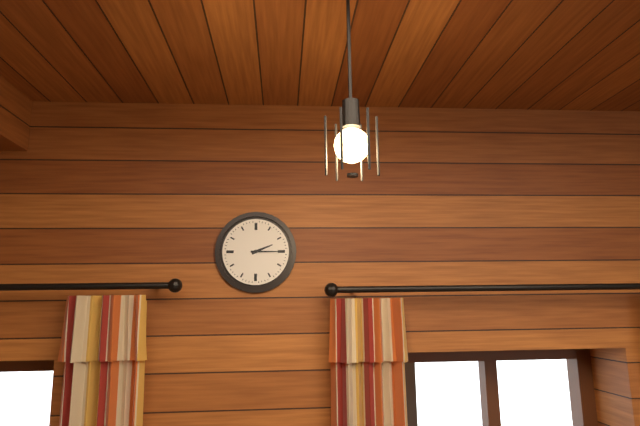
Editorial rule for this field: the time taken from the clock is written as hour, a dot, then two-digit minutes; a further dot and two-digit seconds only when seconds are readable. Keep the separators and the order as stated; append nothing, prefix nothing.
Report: 2.15
